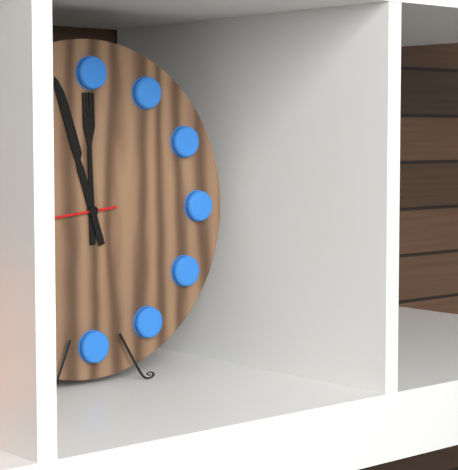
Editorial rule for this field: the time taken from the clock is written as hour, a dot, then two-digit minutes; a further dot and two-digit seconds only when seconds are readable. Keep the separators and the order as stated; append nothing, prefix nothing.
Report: 11.57
